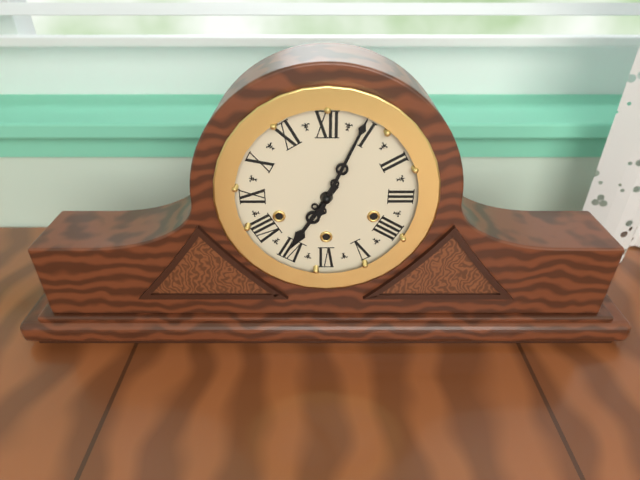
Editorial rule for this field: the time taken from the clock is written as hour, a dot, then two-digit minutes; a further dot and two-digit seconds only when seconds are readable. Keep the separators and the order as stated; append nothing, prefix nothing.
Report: 7.04
